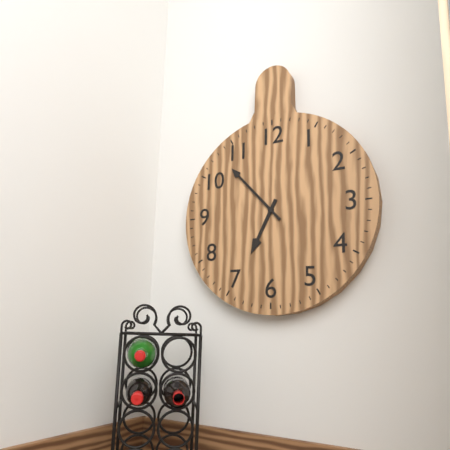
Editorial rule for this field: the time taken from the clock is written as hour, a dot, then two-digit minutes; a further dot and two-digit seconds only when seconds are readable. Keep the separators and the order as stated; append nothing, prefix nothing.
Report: 6.53
